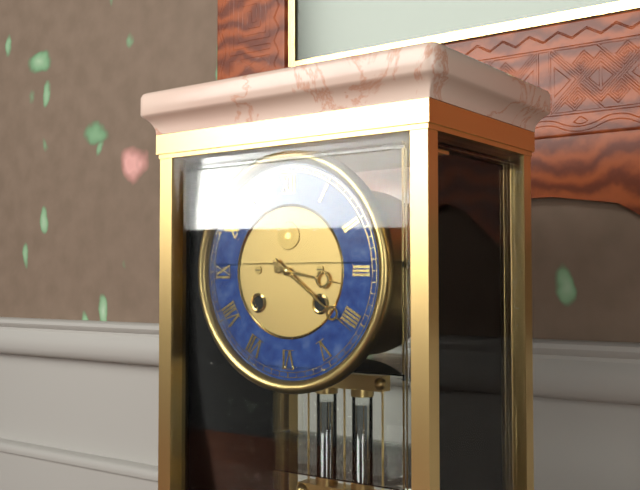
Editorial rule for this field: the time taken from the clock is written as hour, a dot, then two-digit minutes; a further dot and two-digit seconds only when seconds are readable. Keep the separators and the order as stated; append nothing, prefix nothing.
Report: 3.21
